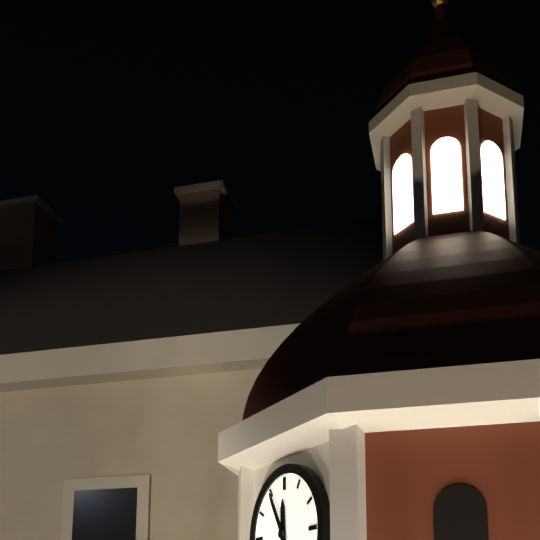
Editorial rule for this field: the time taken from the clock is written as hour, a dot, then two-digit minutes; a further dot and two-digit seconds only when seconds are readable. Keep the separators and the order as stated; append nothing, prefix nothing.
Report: 11.55
